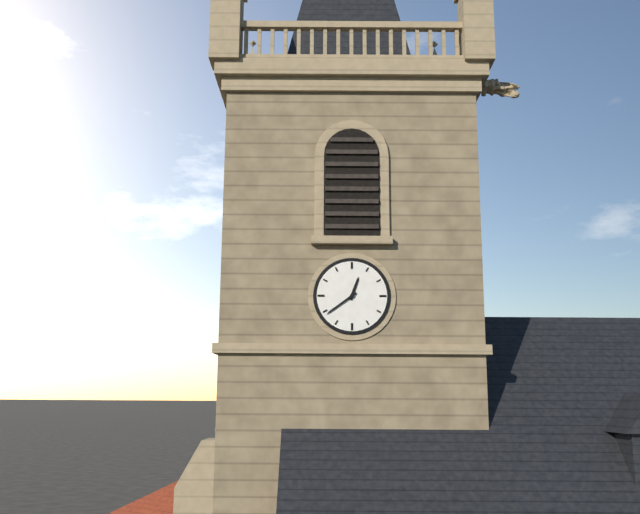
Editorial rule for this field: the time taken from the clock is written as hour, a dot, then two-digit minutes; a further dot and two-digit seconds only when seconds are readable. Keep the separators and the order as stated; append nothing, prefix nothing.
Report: 12.39
